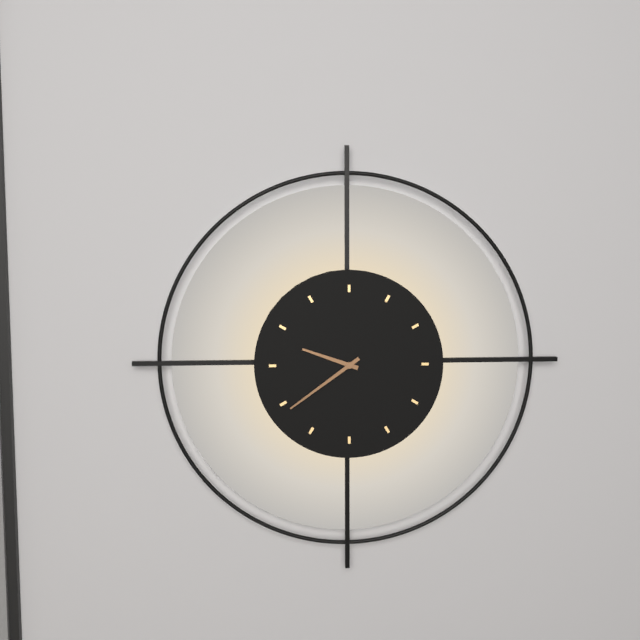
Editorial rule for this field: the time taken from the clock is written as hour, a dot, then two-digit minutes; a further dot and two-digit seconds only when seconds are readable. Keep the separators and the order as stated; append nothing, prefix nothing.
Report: 9.39
